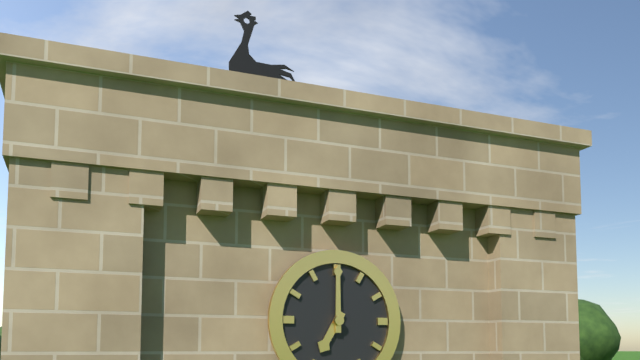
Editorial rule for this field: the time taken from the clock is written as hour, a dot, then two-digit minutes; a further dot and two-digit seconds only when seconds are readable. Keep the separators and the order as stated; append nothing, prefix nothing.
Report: 7.00
